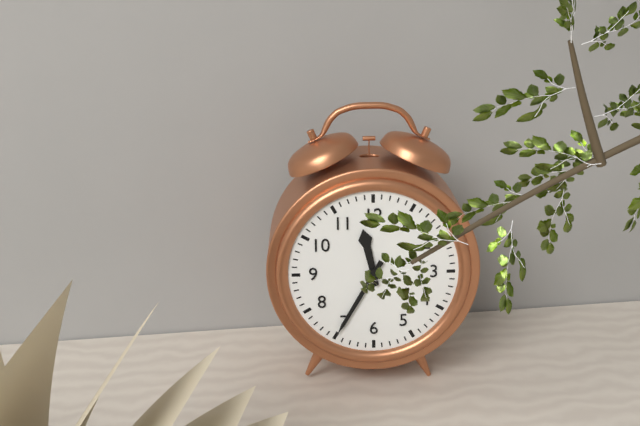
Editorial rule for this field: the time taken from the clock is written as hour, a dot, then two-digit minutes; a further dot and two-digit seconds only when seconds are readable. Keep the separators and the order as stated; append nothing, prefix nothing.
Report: 11.35
